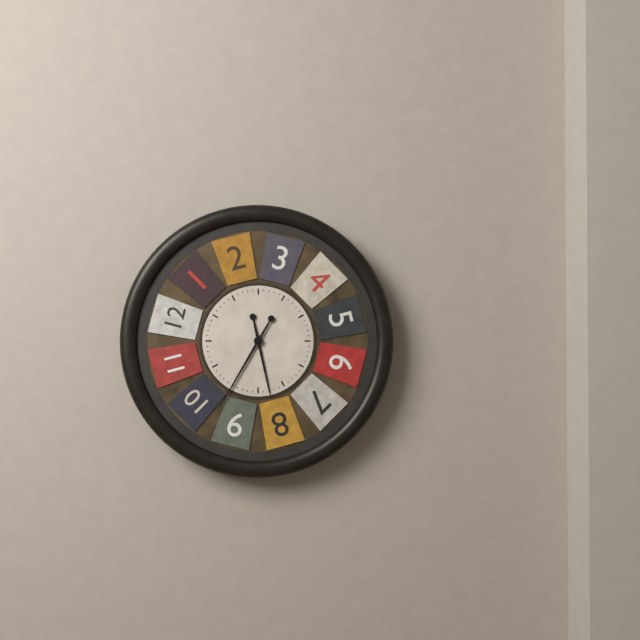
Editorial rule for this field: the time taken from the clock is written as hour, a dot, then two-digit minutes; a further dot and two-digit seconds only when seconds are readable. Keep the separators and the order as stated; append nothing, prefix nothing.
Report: 5.35
